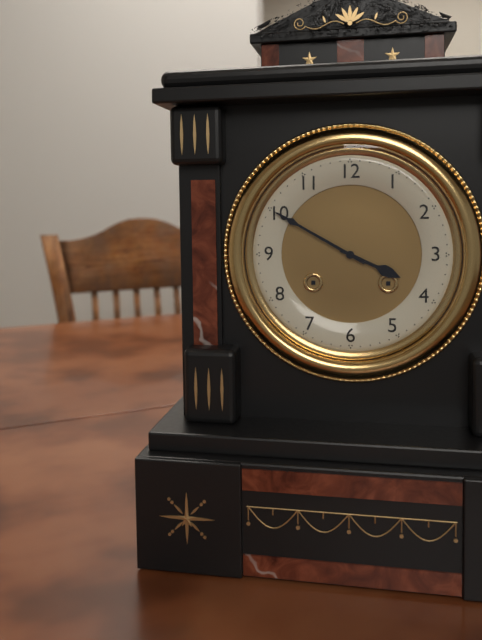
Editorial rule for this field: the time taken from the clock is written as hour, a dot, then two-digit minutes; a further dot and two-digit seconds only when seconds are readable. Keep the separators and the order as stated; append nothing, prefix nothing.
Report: 3.50
